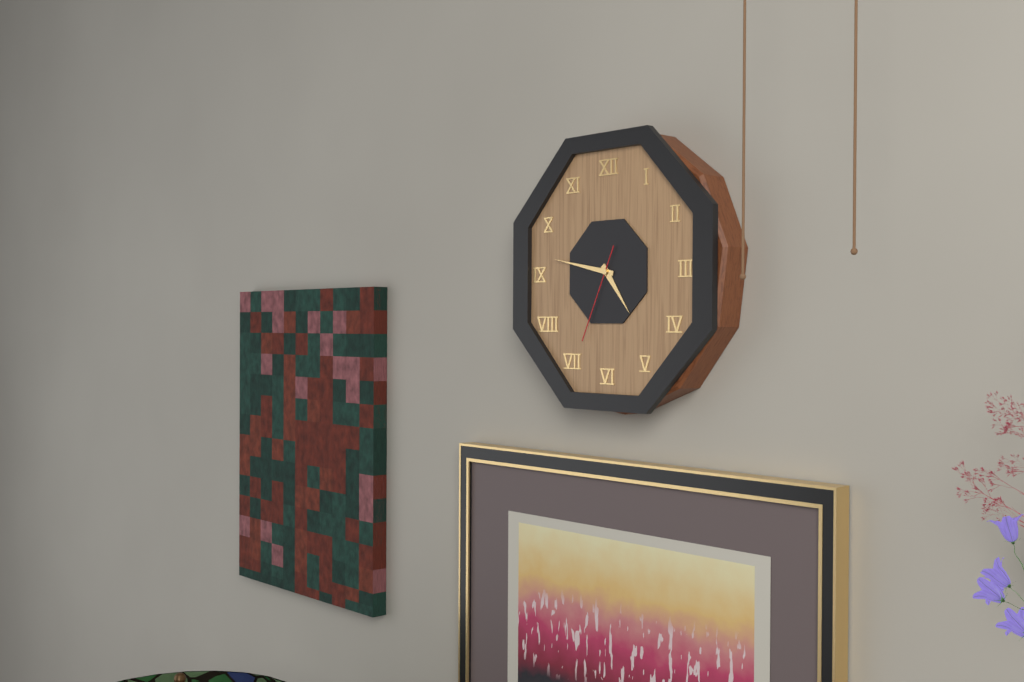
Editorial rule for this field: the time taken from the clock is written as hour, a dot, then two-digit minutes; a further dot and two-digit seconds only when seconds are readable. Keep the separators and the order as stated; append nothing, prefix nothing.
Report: 4.47.34
